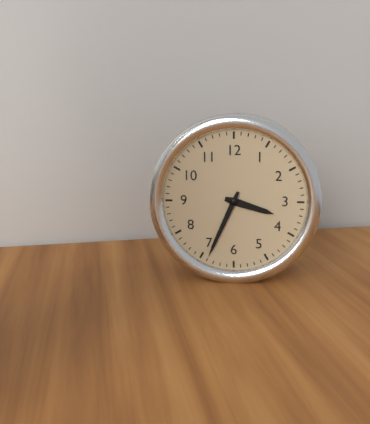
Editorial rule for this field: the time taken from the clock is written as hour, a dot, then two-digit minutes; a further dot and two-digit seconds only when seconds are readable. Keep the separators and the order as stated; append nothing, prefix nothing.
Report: 3.34
